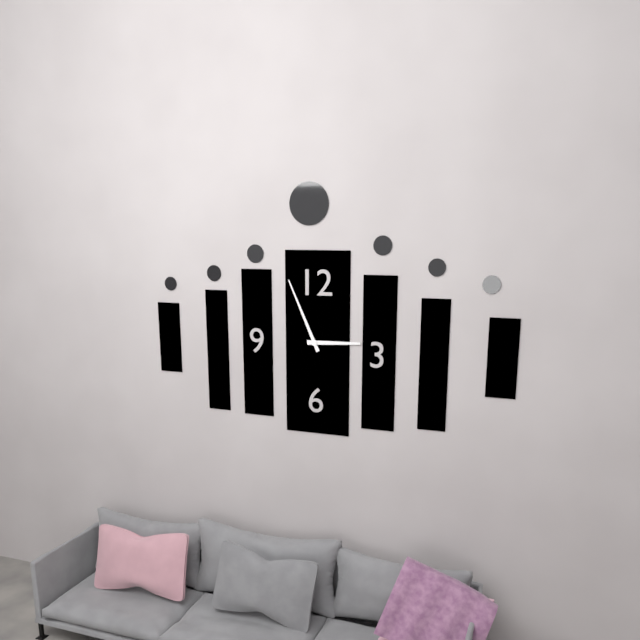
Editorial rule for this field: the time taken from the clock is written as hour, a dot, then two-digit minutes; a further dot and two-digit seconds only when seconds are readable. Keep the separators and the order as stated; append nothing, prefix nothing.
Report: 2.56
